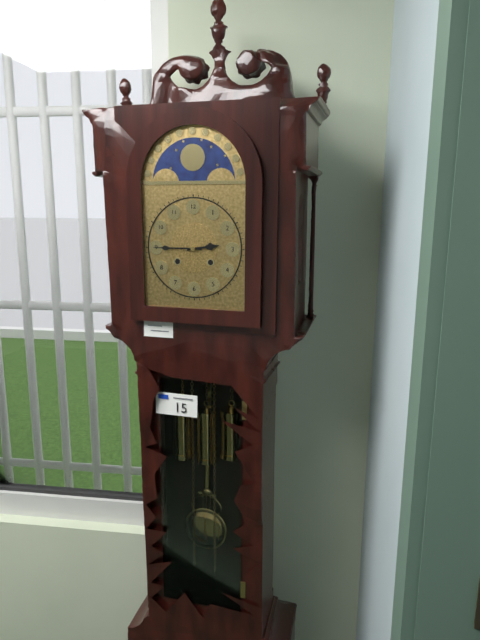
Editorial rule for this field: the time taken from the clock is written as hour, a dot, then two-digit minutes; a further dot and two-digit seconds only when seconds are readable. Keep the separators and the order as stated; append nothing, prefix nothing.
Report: 2.45
